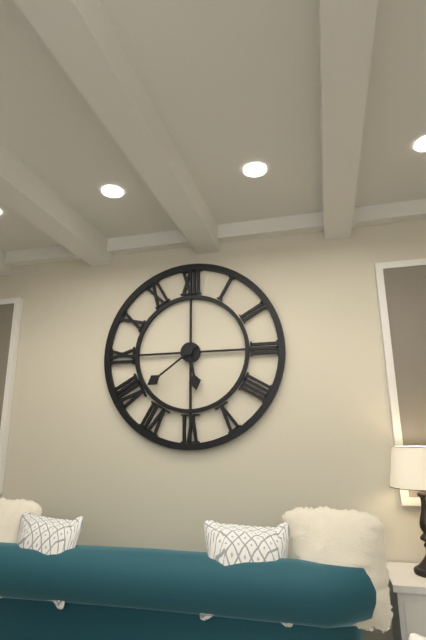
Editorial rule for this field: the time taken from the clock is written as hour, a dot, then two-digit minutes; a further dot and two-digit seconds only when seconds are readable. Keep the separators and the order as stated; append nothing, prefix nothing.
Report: 5.39
